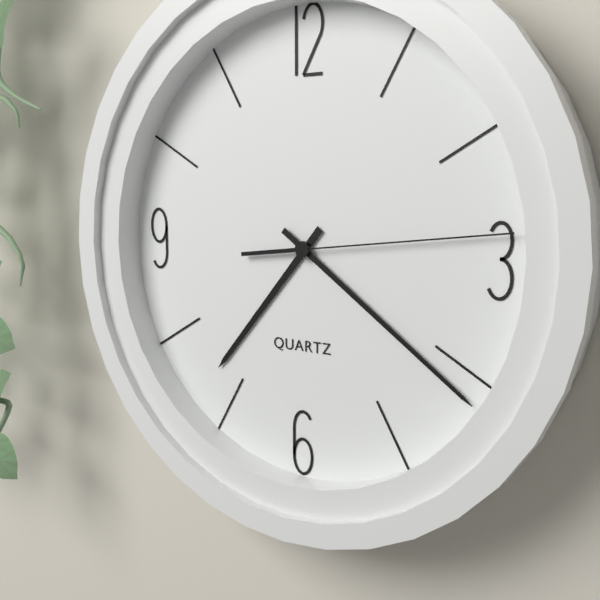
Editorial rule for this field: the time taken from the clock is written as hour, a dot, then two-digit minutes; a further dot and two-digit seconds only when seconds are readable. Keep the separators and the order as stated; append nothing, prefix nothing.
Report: 7.21.14
